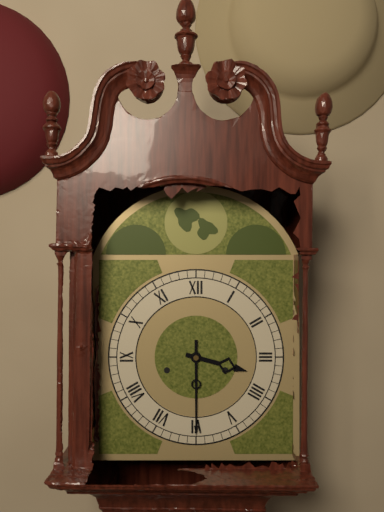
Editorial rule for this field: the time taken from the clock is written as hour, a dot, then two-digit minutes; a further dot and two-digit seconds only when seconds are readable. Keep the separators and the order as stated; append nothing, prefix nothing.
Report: 3.30
